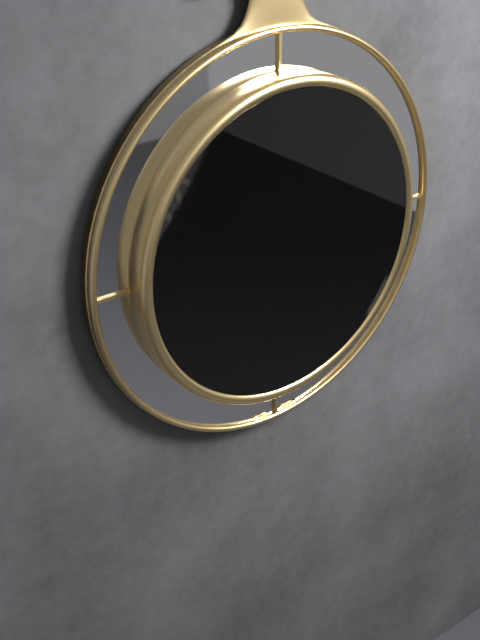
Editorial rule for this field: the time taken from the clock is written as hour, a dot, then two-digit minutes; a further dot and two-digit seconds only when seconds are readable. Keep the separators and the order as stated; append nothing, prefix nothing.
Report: 6.25
